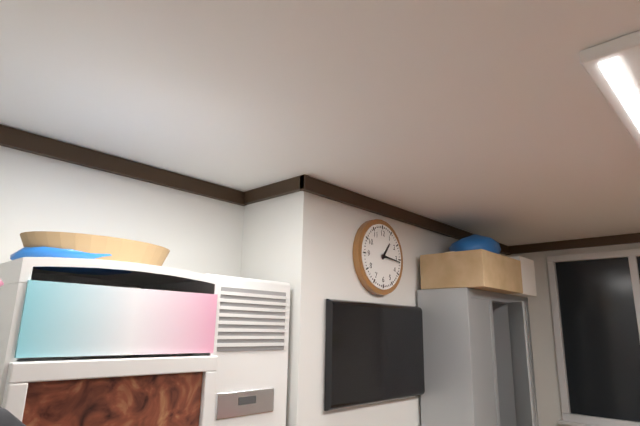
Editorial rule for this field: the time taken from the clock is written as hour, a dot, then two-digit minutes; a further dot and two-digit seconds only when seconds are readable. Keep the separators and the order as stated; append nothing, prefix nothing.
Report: 1.16
